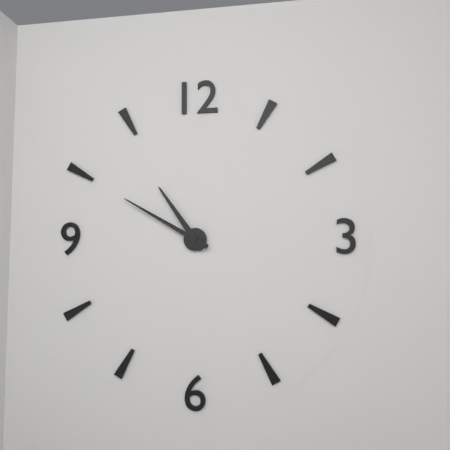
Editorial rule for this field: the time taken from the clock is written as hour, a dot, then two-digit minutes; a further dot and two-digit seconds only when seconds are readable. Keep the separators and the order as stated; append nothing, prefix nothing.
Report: 10.50
